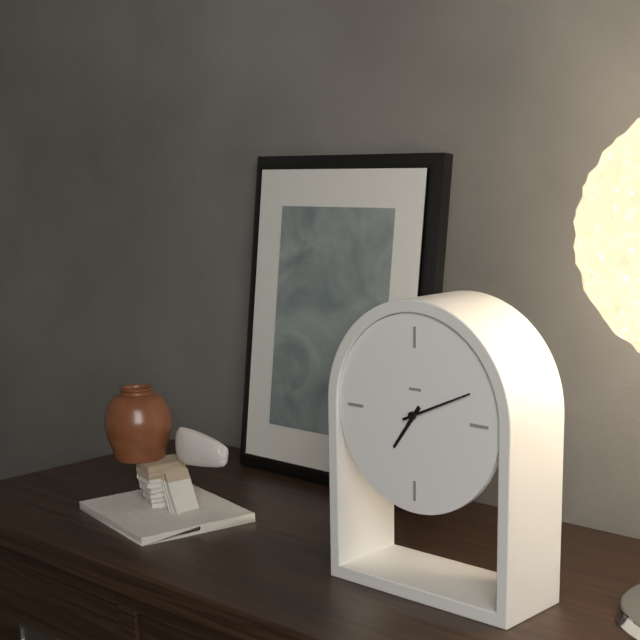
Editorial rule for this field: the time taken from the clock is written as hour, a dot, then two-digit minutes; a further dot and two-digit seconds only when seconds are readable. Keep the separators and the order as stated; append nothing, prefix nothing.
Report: 7.11
